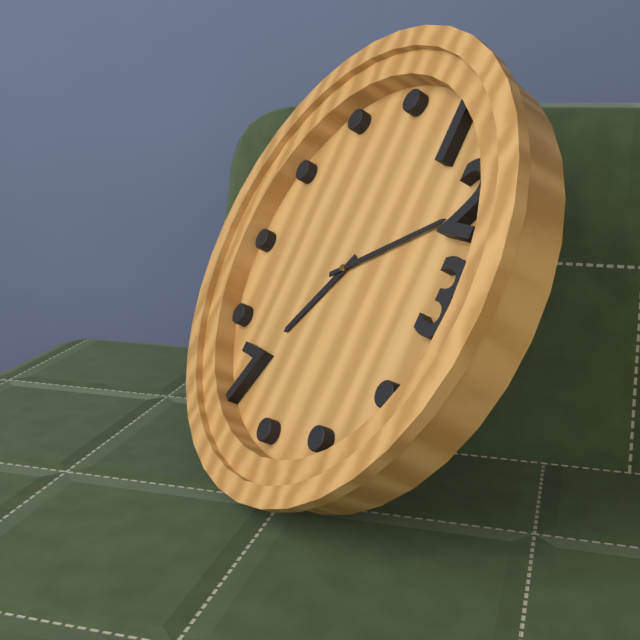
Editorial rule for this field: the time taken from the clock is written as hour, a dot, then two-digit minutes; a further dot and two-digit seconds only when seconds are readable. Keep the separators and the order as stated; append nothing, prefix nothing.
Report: 7.10
